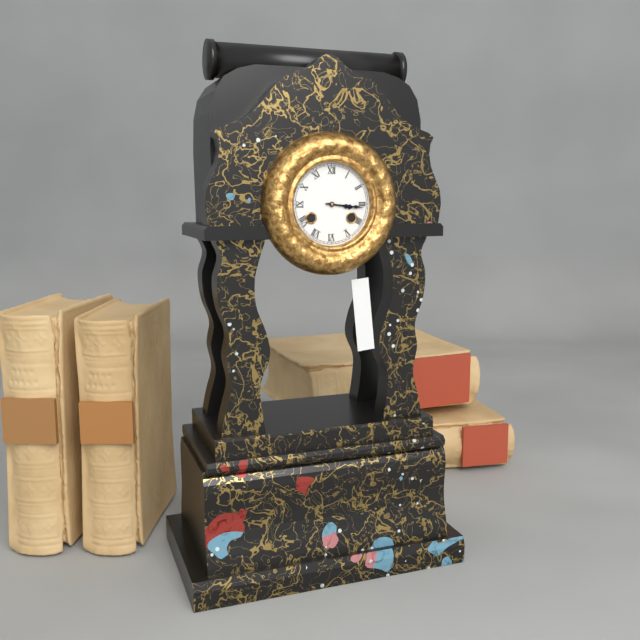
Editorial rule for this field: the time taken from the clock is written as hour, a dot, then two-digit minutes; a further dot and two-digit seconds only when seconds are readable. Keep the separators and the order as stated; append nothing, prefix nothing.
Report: 3.16
